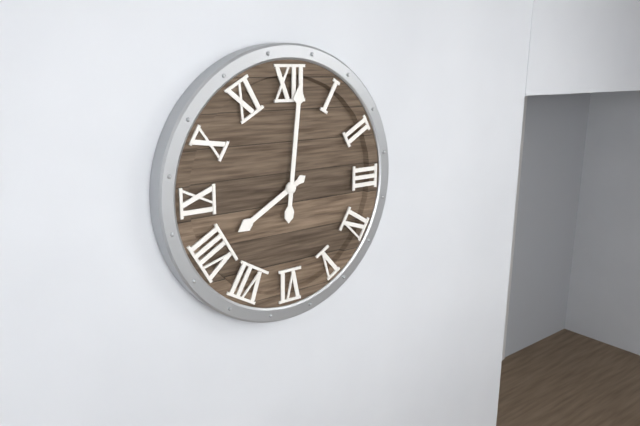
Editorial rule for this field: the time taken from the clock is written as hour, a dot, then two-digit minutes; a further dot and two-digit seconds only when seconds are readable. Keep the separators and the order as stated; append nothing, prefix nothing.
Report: 8.01
